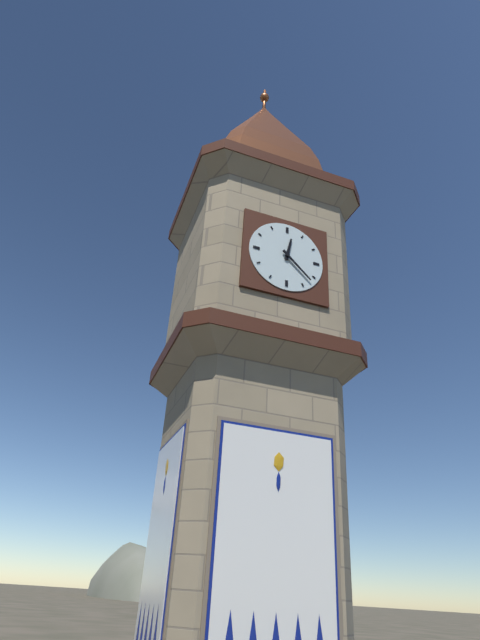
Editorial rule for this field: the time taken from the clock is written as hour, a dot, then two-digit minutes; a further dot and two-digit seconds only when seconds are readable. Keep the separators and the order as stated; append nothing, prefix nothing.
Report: 12.22
